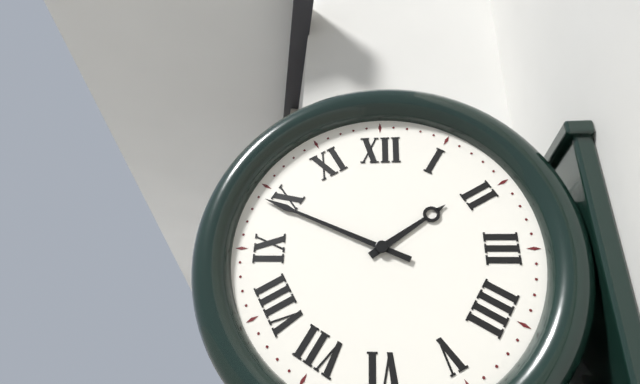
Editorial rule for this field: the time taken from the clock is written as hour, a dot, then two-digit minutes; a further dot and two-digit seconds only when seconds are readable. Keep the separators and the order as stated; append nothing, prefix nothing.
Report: 1.49
